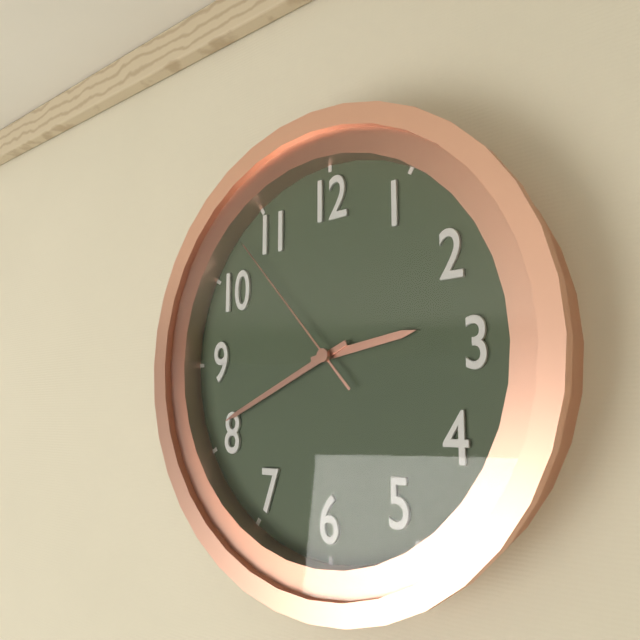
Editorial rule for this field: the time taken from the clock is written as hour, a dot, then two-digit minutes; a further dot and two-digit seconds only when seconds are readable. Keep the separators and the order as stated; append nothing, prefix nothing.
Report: 2.41.53
